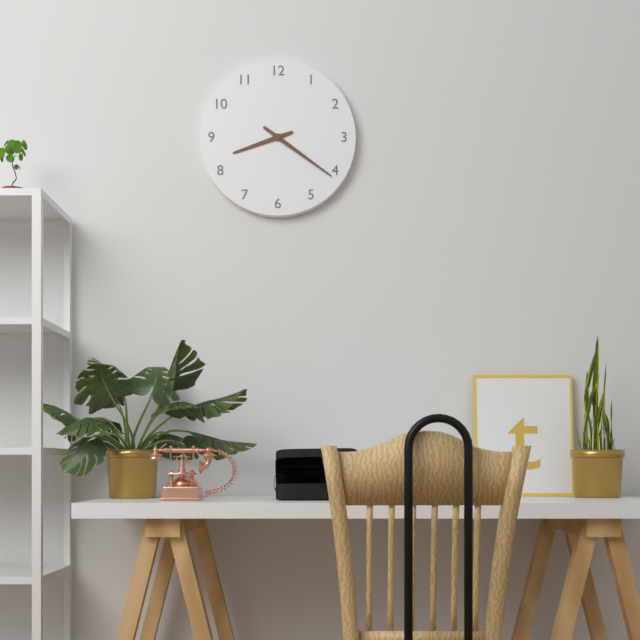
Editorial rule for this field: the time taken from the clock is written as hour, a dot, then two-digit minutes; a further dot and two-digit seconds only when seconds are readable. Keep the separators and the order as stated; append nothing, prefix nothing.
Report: 8.21
